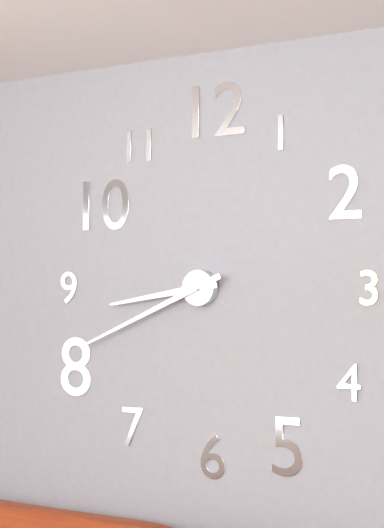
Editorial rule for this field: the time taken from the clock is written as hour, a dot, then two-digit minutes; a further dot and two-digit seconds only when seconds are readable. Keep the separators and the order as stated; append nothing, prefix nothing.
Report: 8.41
